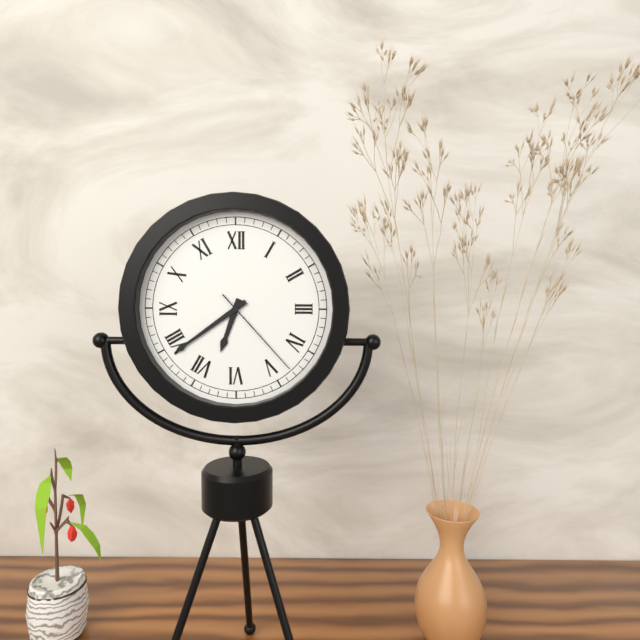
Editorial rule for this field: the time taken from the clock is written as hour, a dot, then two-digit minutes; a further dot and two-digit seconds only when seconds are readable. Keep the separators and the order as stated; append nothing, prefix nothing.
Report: 6.39.23
